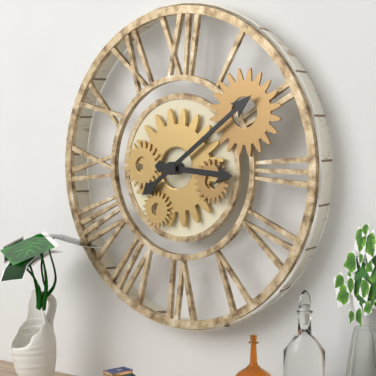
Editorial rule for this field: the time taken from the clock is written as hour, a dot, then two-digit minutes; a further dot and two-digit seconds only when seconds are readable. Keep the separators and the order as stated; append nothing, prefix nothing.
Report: 3.09
